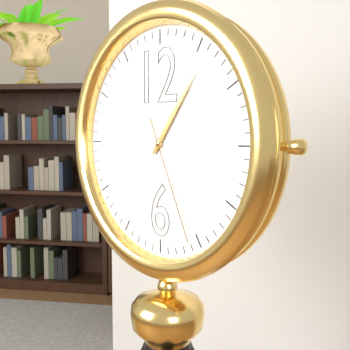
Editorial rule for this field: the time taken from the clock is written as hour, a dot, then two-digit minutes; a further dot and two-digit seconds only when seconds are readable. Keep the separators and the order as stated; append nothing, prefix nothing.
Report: 1.06.26
